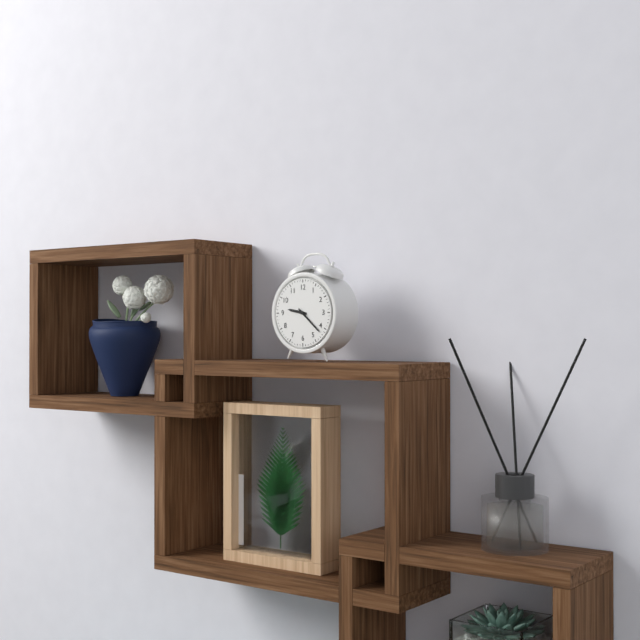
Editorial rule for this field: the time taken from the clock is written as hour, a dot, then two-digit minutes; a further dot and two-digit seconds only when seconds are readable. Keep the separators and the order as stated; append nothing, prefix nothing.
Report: 9.22
